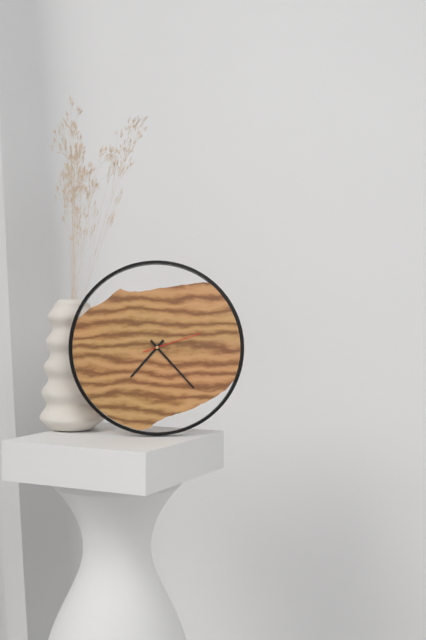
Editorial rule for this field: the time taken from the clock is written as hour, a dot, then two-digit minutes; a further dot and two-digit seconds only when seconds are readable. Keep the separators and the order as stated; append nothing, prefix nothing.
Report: 7.23.12
